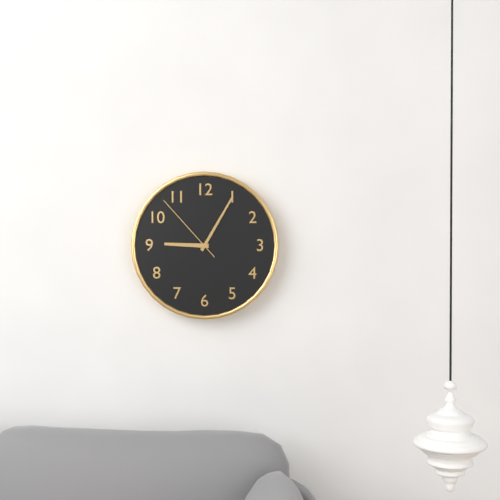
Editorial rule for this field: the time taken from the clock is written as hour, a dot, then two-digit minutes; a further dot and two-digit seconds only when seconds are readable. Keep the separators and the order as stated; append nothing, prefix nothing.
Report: 9.05.53
